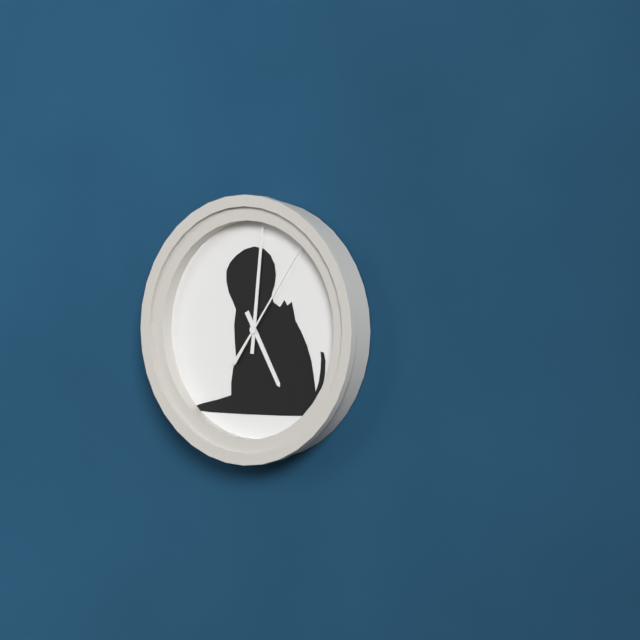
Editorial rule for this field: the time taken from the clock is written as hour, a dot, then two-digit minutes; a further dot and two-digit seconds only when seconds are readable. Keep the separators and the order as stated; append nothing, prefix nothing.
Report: 5.01.06
